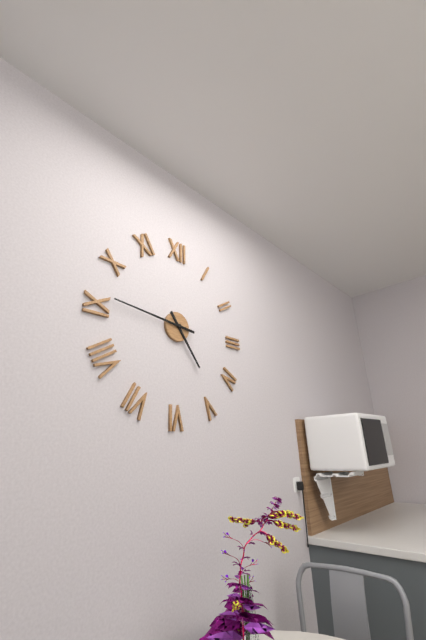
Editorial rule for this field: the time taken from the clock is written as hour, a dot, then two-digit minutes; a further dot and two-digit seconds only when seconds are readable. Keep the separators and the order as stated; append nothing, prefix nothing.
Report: 4.46
